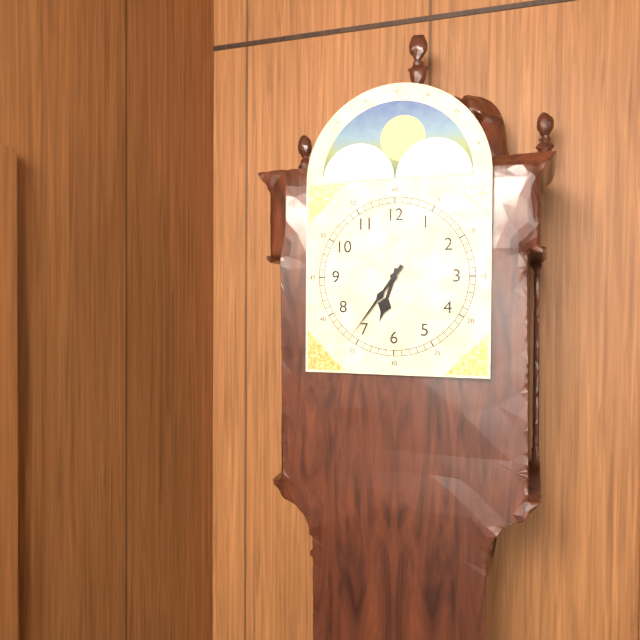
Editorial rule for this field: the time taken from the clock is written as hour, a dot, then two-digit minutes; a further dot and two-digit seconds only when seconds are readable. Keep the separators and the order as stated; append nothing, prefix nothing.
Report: 6.36
